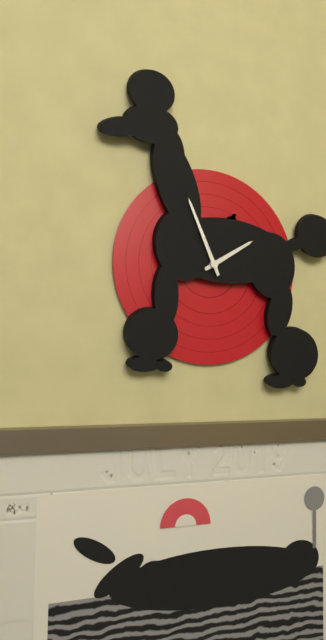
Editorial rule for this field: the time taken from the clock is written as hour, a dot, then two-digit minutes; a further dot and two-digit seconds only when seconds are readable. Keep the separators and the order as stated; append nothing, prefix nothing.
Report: 1.56
